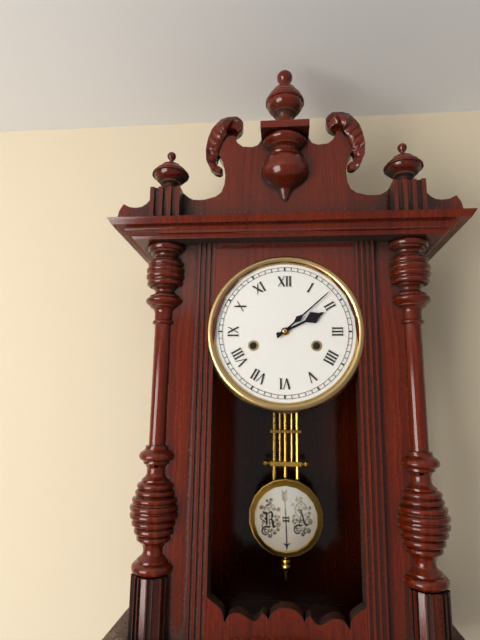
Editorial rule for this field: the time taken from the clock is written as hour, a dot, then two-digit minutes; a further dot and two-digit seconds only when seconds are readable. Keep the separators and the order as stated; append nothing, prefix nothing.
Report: 2.08
